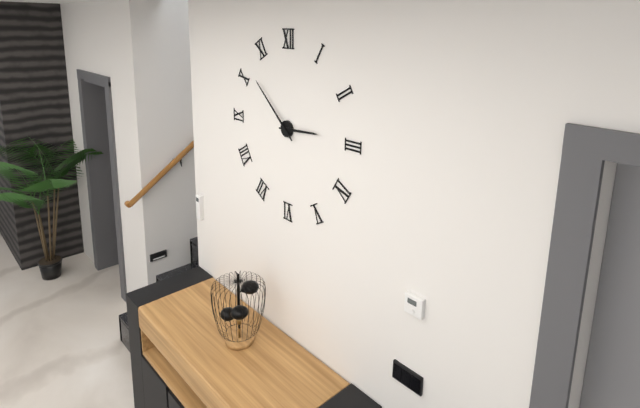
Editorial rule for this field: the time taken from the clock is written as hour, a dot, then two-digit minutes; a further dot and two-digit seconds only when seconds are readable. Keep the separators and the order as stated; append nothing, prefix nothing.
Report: 2.52
